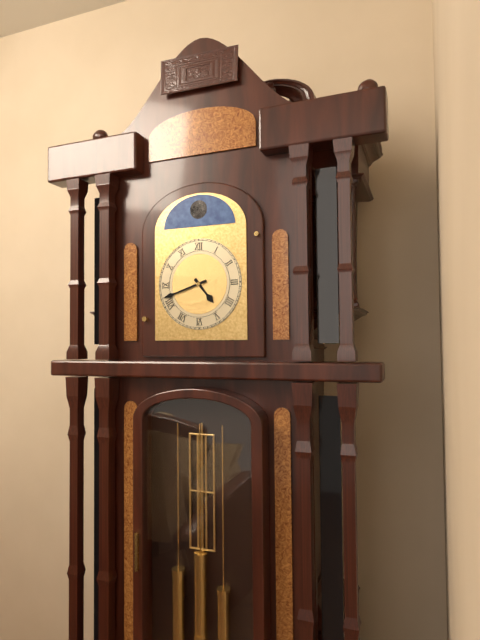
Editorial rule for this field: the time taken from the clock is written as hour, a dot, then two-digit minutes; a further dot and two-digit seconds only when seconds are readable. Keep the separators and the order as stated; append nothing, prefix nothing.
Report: 4.42
